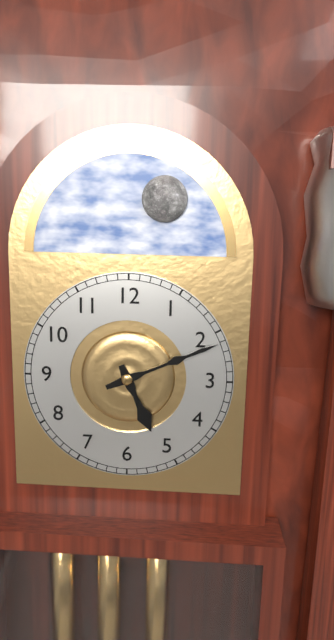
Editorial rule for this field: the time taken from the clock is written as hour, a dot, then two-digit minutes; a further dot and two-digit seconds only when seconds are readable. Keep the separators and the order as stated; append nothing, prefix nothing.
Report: 5.11
